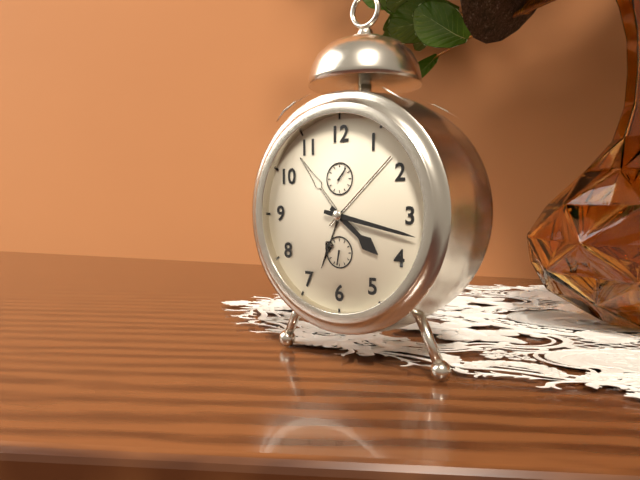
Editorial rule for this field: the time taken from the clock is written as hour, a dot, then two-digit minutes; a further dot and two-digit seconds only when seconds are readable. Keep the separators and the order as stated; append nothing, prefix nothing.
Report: 4.17
